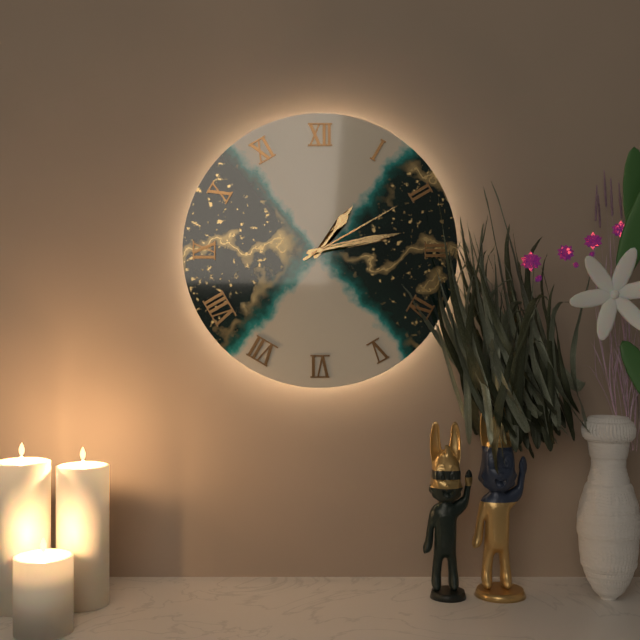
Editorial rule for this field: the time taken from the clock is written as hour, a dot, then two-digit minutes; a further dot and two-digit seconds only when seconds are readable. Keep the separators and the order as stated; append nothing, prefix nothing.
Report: 1.13.10
